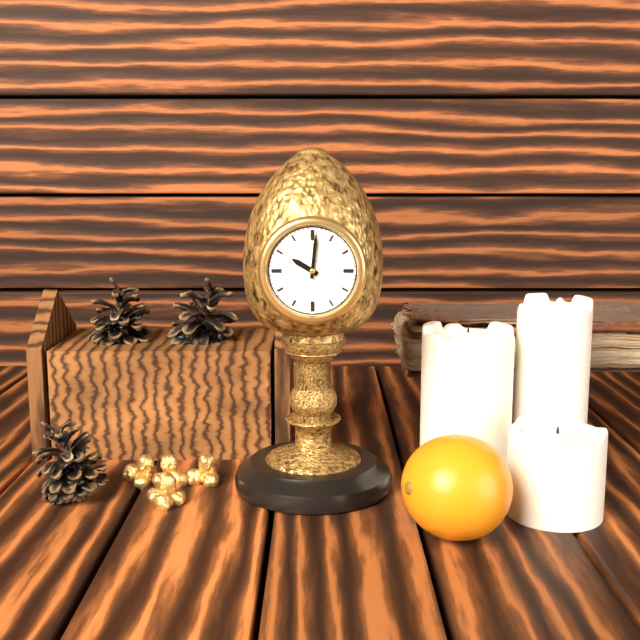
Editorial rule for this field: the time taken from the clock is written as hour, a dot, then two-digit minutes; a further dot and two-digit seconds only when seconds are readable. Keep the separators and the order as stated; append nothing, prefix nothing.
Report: 10.01
